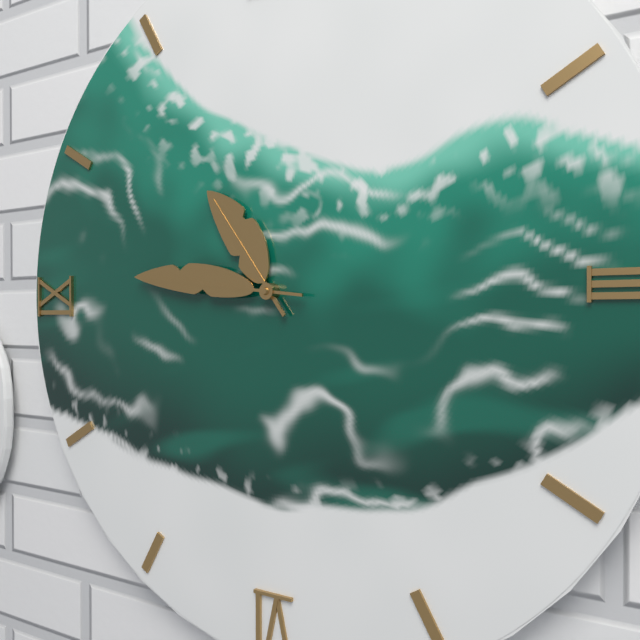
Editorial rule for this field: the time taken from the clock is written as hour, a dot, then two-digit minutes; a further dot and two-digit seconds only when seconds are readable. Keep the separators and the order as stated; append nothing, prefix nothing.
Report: 10.46
